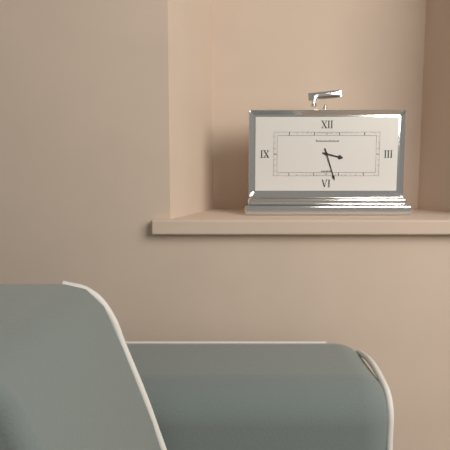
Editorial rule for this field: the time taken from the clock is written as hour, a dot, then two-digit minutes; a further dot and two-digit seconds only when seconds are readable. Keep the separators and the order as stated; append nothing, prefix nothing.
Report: 3.27
